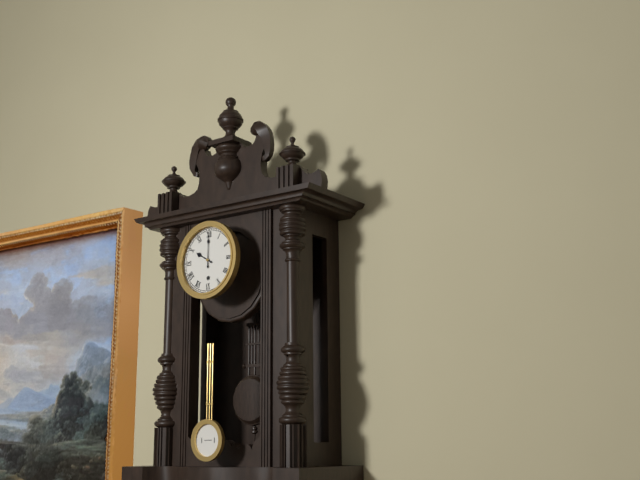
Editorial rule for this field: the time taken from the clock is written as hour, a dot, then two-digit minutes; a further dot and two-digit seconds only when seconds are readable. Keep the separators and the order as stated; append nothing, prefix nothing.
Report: 10.00
